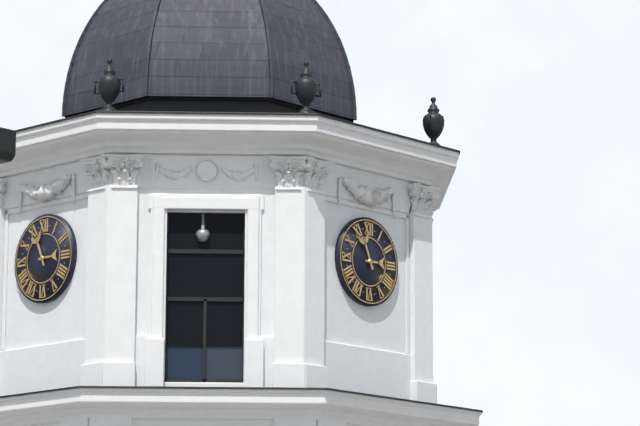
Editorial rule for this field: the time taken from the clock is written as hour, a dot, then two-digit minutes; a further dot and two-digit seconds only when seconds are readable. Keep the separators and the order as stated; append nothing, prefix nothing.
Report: 2.56
